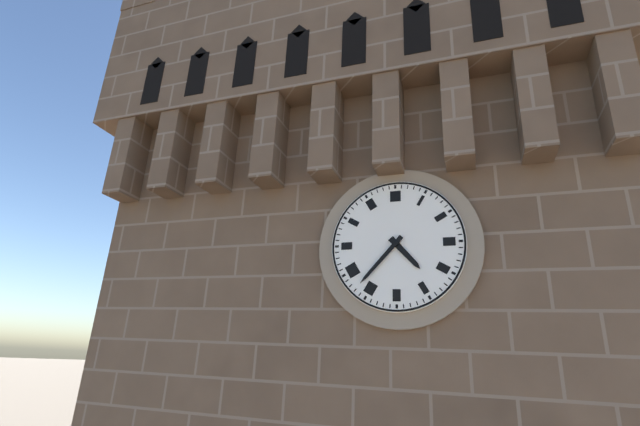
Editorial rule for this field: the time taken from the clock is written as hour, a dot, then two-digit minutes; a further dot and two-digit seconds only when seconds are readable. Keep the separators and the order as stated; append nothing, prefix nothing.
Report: 4.37
